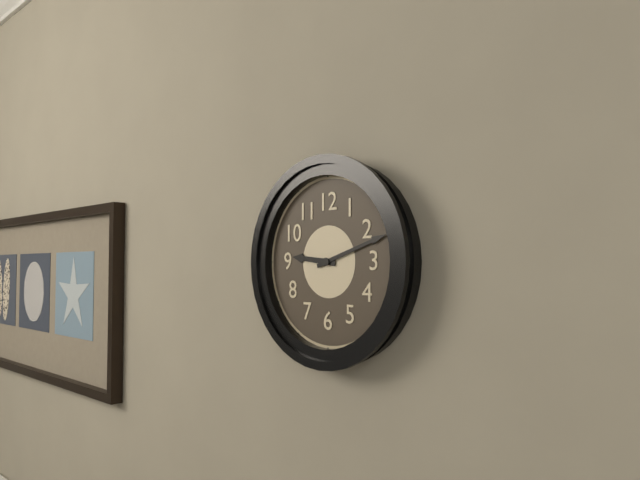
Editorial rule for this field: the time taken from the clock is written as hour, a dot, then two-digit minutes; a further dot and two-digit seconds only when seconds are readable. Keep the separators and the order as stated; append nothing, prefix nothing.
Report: 9.12
